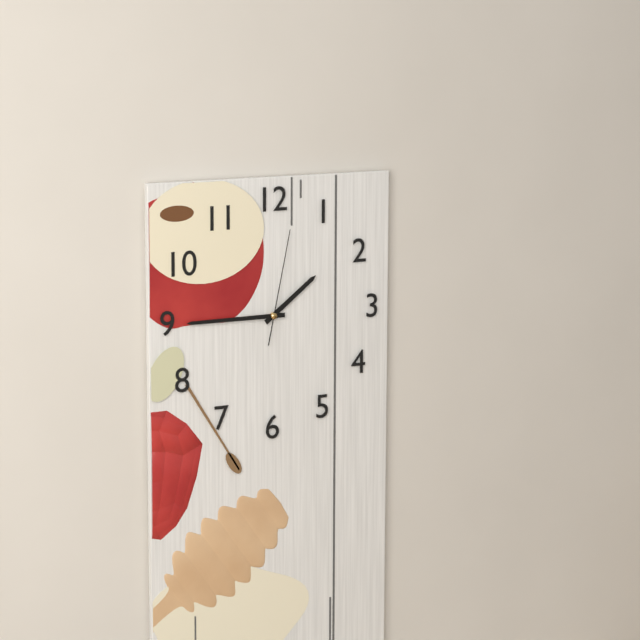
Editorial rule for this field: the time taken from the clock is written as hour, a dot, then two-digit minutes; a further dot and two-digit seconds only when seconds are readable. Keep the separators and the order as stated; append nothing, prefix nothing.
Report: 1.45.02
